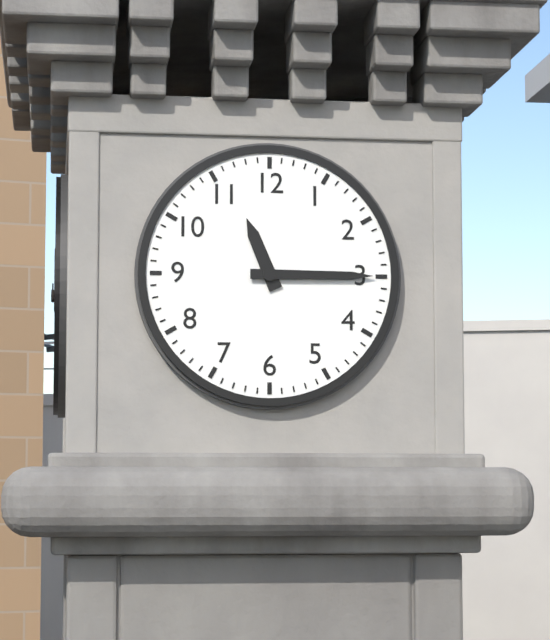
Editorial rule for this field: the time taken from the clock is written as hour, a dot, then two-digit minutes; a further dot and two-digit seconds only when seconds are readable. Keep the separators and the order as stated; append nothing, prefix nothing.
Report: 11.15
